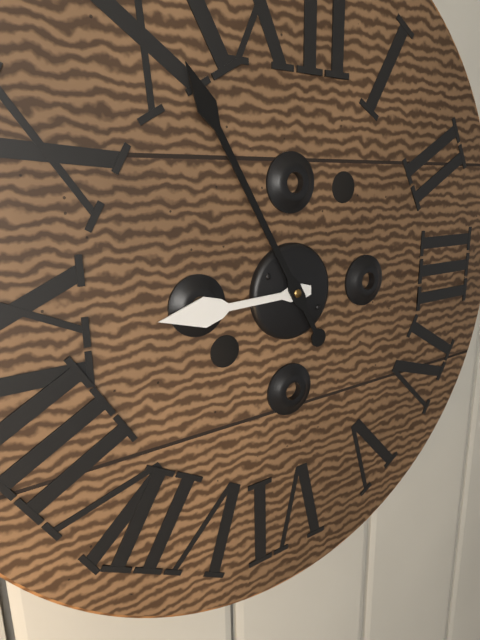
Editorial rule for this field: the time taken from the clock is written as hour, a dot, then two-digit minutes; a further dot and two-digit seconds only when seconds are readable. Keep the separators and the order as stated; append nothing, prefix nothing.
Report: 8.55
